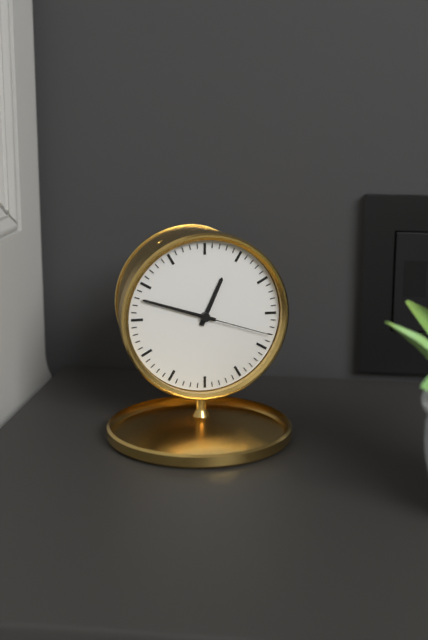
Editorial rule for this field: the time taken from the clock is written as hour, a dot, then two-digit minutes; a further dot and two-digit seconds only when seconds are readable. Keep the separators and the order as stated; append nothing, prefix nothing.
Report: 12.48.18
